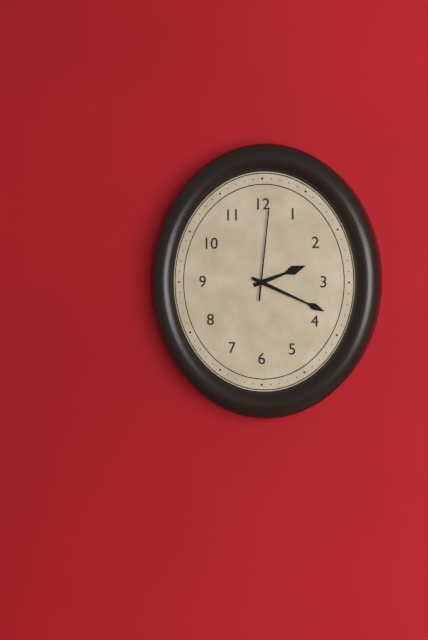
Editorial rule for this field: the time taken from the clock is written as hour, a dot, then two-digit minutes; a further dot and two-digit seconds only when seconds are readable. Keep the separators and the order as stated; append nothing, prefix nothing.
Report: 2.19.01
